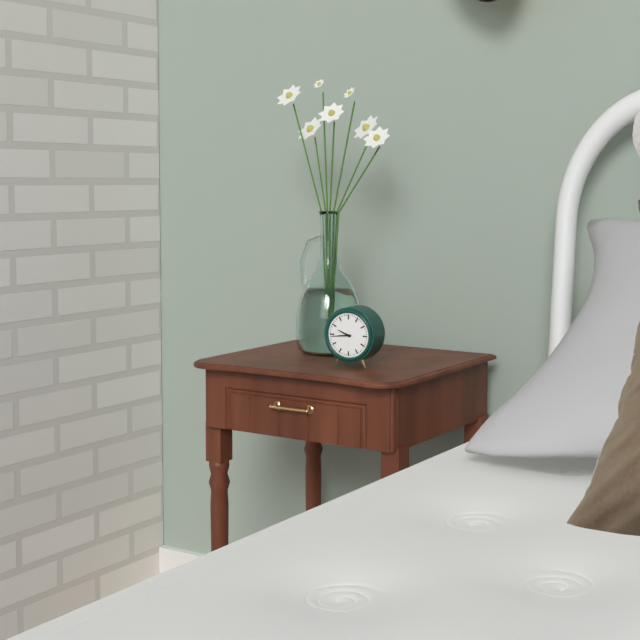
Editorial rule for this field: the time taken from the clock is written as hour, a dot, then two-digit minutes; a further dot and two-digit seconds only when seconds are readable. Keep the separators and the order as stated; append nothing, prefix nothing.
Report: 9.44
